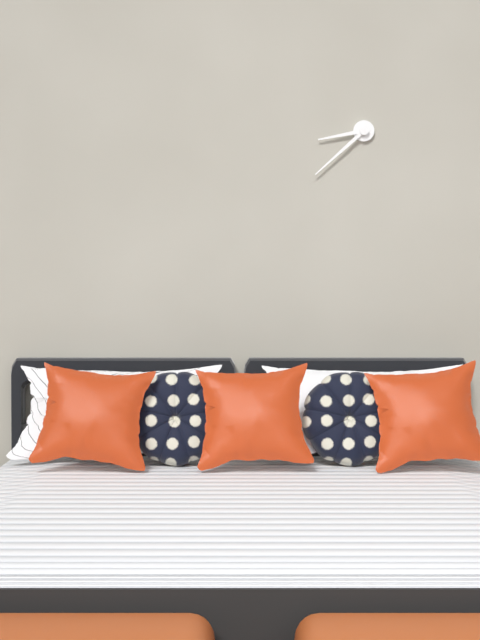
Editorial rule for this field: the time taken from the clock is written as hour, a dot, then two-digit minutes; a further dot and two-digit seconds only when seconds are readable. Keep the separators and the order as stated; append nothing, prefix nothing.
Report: 8.38
